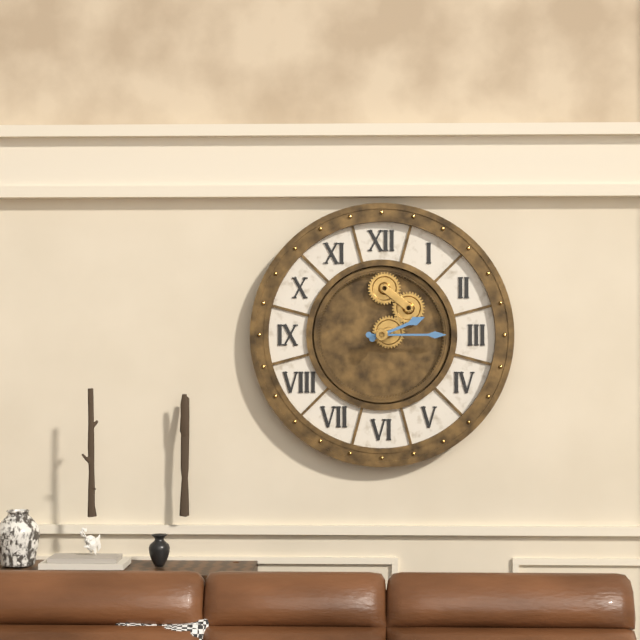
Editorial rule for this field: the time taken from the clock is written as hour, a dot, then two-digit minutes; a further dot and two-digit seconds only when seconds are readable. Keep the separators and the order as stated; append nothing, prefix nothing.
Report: 2.15
